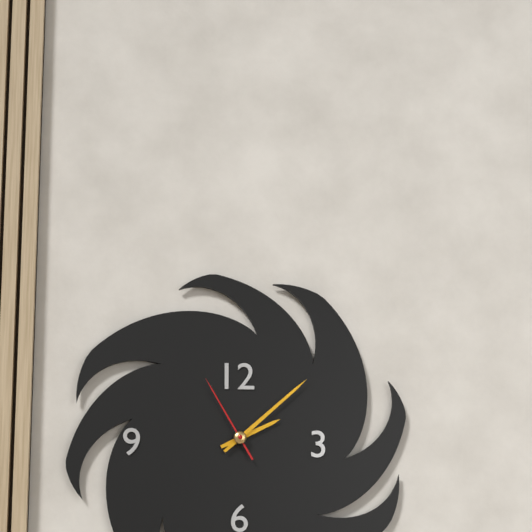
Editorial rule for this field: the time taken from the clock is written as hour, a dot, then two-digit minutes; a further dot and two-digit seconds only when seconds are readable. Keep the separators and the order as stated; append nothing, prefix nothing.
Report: 2.08.55
